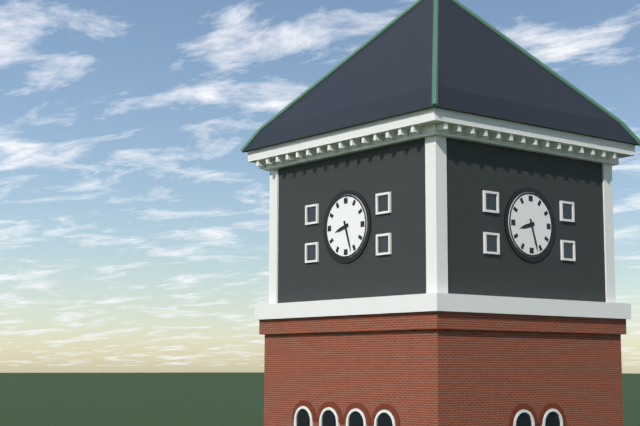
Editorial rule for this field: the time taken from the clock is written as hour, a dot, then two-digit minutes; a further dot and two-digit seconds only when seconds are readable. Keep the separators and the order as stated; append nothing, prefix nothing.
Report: 8.27
